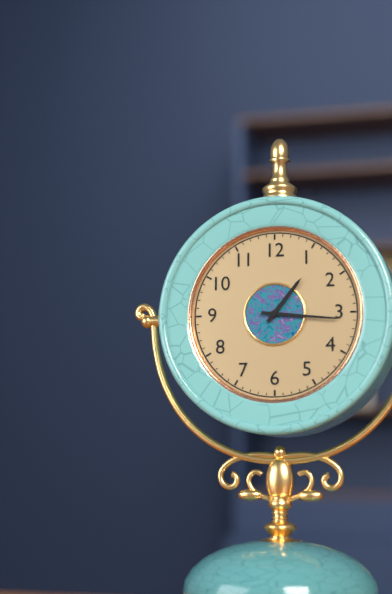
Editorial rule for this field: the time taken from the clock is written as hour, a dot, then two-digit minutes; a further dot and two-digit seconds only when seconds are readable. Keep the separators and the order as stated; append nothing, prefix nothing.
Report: 1.16
